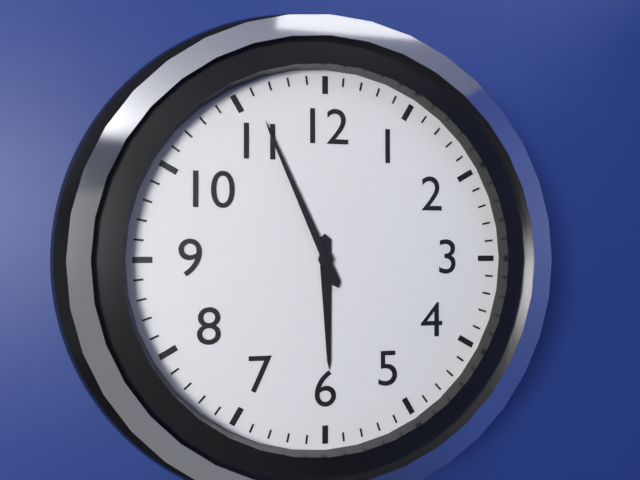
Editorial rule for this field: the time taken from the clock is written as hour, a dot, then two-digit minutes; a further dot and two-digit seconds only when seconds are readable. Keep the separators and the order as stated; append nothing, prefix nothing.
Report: 5.56
